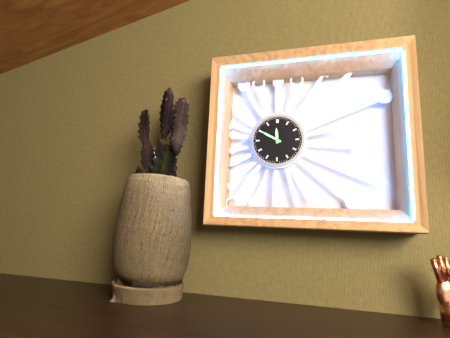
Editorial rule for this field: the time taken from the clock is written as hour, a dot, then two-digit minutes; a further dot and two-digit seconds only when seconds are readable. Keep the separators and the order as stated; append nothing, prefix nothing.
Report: 11.50
